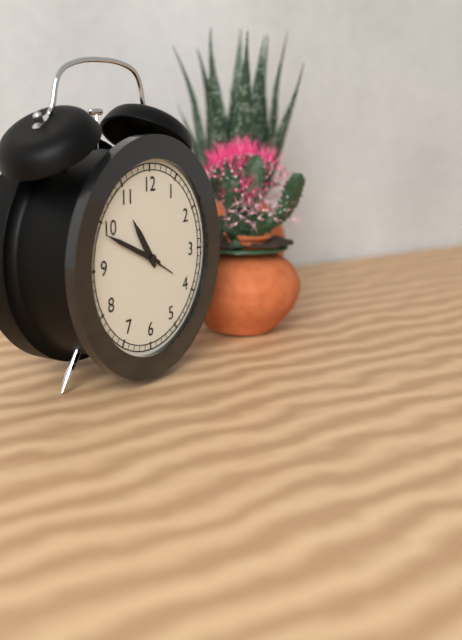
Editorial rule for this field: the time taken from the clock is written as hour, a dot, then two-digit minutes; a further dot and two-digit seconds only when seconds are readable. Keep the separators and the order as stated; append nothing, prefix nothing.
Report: 10.49
